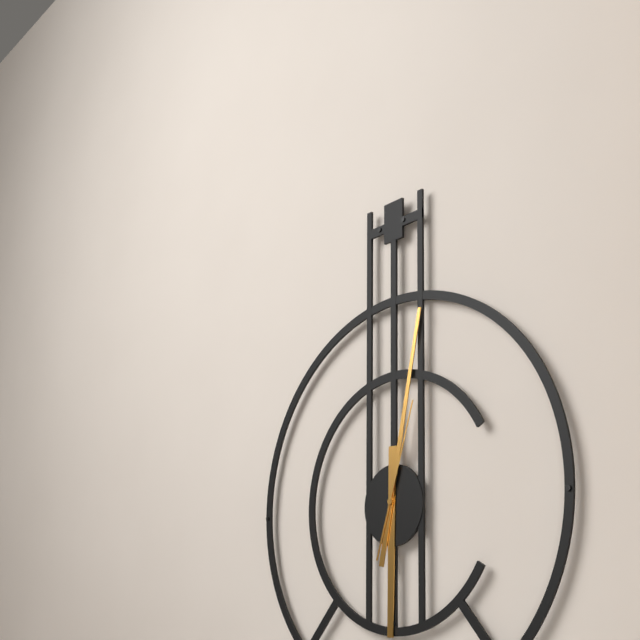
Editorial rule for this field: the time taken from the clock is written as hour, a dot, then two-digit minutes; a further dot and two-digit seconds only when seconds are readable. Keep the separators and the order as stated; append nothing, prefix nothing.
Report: 6.02.03
